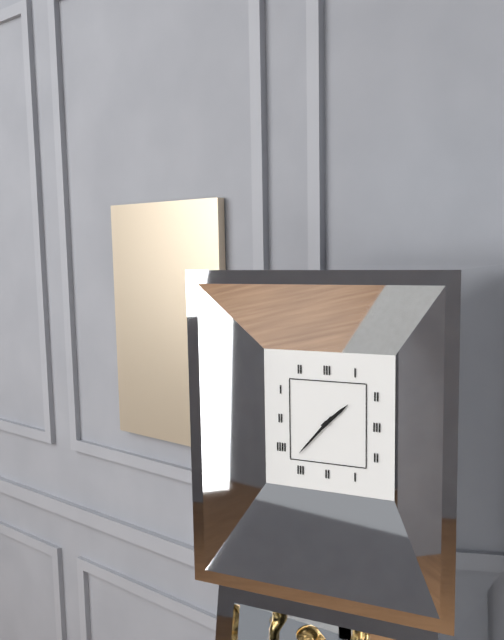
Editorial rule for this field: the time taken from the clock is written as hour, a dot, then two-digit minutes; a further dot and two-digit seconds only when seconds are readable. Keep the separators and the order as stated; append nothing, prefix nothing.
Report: 1.37
